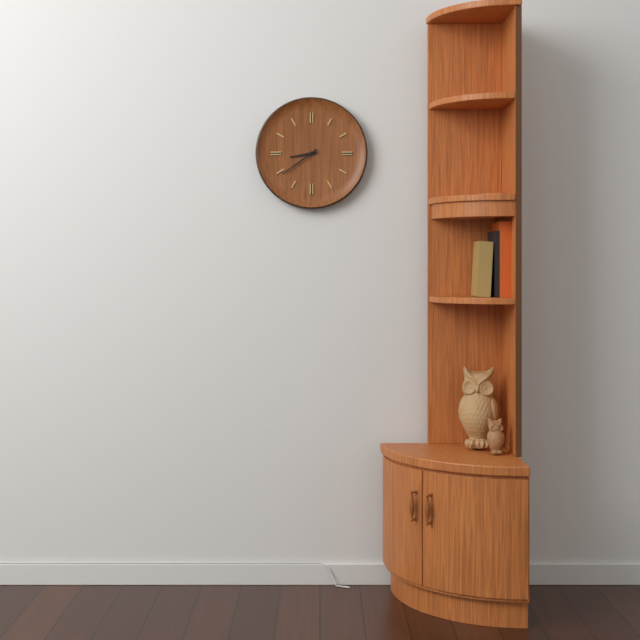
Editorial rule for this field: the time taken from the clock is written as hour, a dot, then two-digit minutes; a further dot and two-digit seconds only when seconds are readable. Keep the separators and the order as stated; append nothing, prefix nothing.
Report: 8.39
